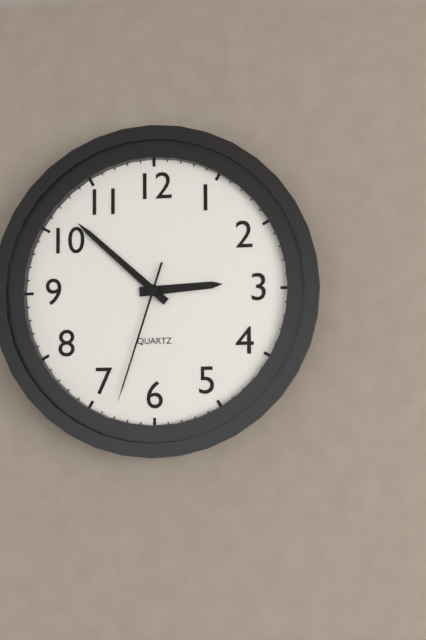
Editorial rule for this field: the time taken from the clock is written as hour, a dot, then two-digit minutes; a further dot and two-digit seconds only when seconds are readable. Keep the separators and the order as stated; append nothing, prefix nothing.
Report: 2.52.33
